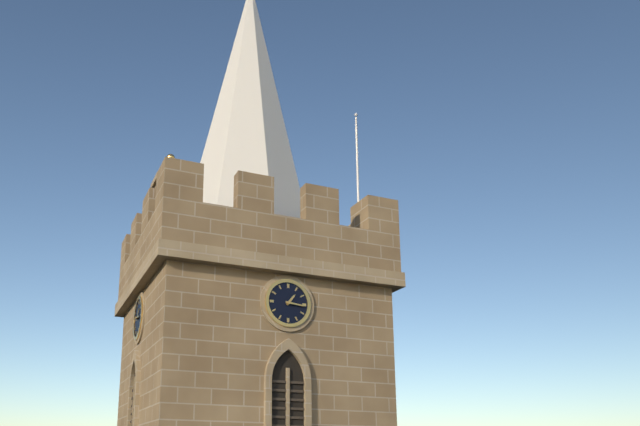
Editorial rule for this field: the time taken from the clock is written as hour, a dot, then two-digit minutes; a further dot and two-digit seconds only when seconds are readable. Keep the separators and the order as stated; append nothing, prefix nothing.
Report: 1.16
